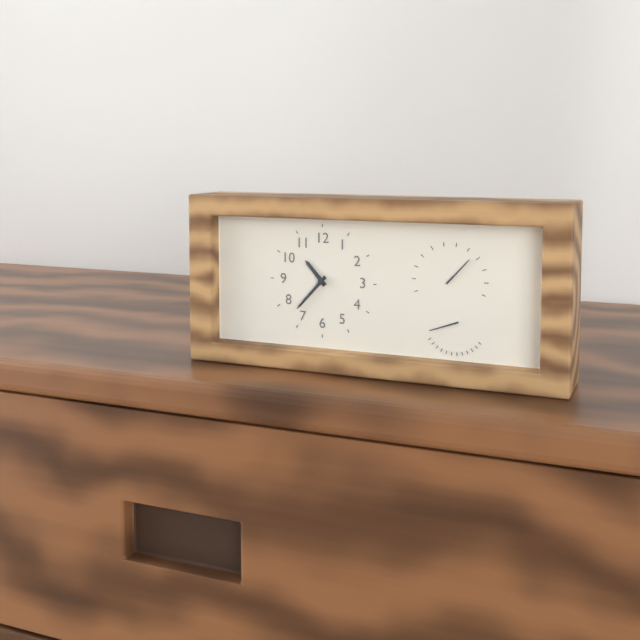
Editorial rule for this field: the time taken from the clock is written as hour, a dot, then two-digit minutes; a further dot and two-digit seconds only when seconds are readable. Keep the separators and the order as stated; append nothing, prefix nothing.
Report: 10.37
